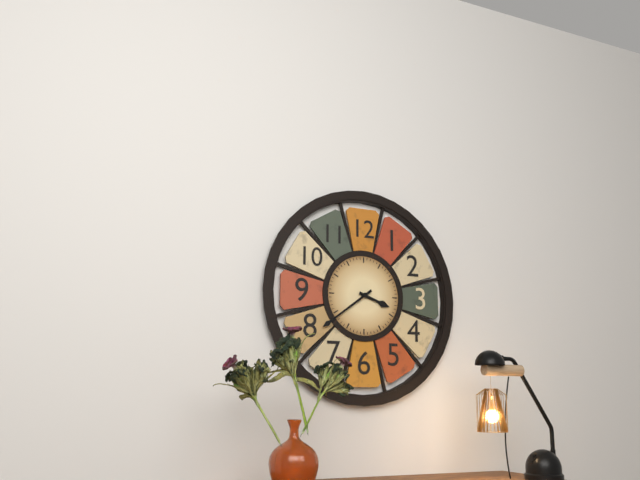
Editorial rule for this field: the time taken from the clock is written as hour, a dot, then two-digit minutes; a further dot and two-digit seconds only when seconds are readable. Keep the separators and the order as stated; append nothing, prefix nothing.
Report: 3.39
